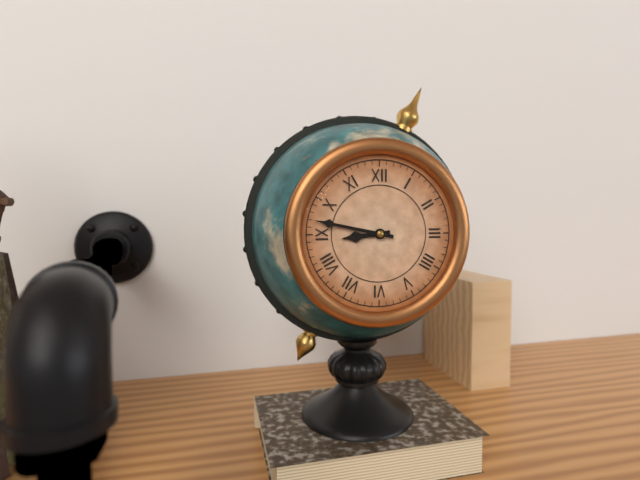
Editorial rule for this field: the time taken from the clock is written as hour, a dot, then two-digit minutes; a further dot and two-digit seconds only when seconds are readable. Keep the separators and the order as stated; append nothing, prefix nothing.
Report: 8.47
